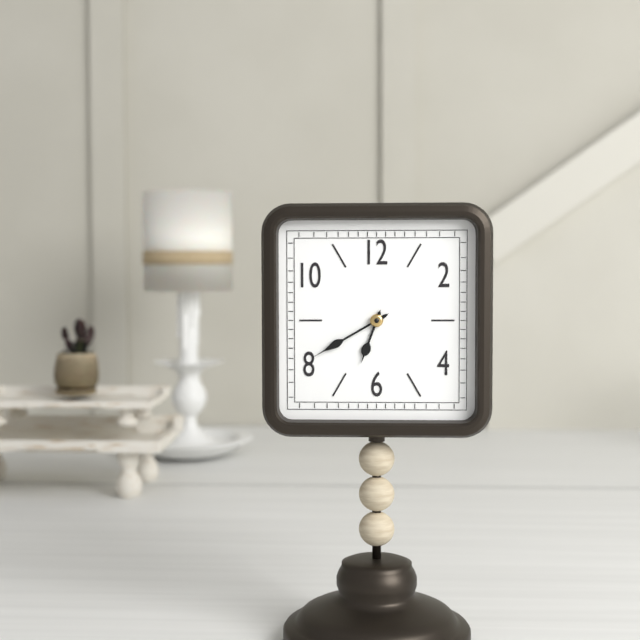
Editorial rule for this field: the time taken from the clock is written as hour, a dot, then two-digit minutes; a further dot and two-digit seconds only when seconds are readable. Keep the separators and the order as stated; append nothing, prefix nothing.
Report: 6.40
